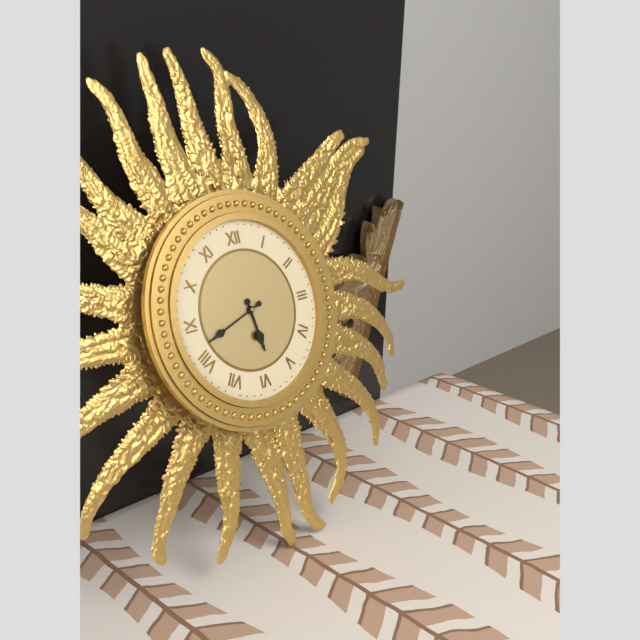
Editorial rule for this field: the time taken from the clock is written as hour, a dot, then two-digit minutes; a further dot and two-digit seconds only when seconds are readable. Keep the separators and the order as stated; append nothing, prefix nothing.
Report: 5.42
